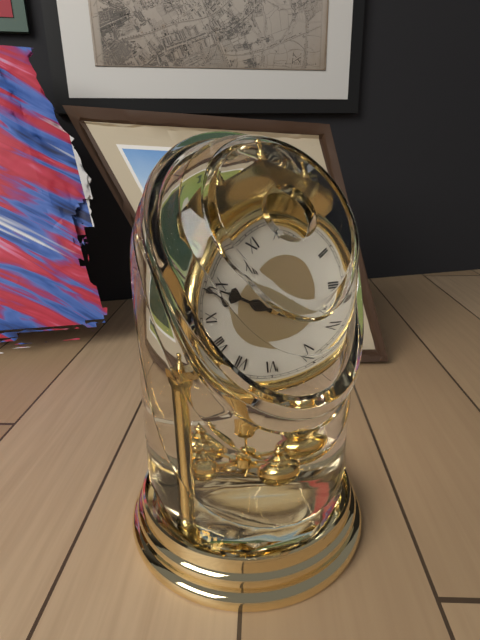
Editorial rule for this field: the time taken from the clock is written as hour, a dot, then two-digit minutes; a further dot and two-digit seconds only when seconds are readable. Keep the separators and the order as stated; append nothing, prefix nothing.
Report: 9.49
